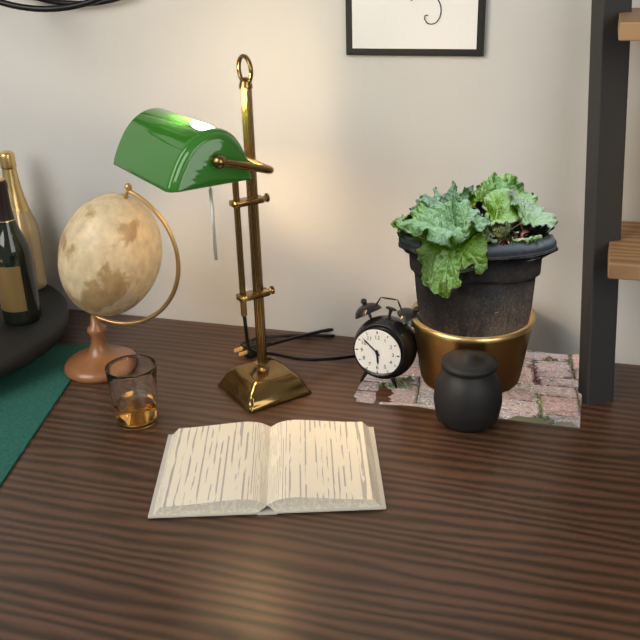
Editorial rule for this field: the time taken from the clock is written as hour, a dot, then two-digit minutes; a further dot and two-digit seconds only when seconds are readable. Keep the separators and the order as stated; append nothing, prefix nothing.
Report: 5.52
